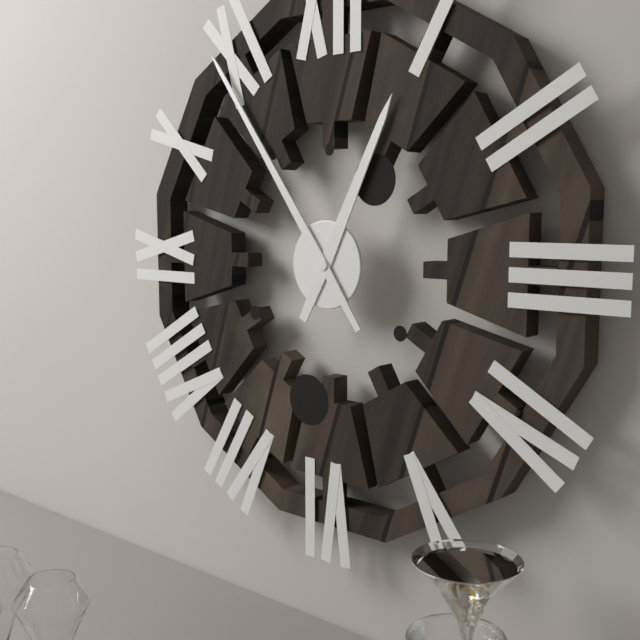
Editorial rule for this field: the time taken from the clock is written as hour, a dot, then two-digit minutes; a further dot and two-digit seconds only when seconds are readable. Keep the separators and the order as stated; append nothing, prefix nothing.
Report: 12.54
